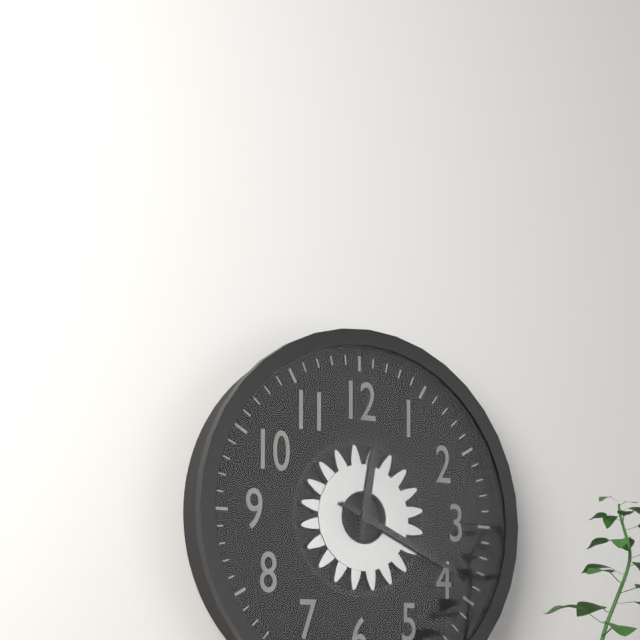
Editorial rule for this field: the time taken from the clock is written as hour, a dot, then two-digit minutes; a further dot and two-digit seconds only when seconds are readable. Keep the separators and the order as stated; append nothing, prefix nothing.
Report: 12.19
